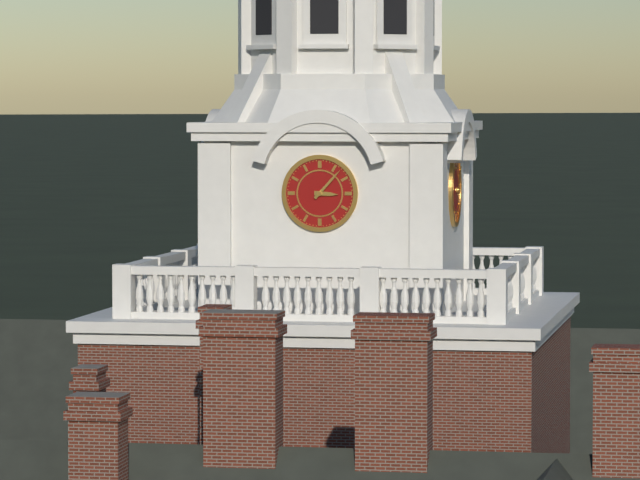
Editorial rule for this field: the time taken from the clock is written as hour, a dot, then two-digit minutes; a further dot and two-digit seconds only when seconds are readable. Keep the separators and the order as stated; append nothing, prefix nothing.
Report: 3.07
